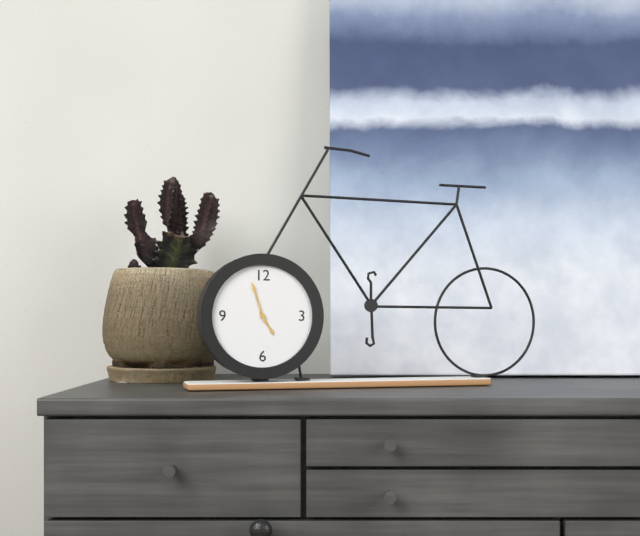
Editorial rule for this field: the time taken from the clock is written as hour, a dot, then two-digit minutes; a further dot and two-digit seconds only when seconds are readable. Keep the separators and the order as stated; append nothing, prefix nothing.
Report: 4.57
